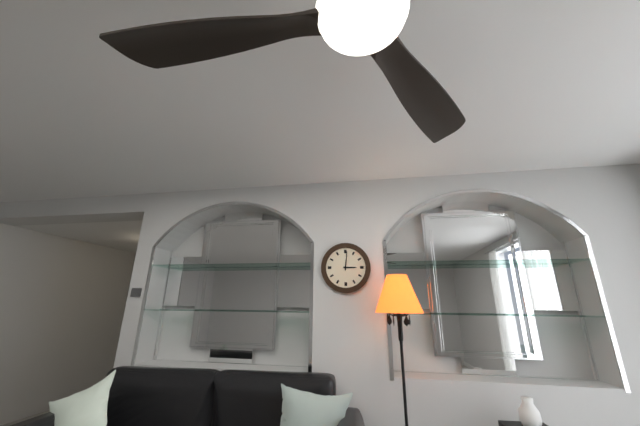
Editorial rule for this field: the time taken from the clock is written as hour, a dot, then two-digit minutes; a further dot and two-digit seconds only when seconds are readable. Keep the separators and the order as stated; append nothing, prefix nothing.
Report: 3.01
